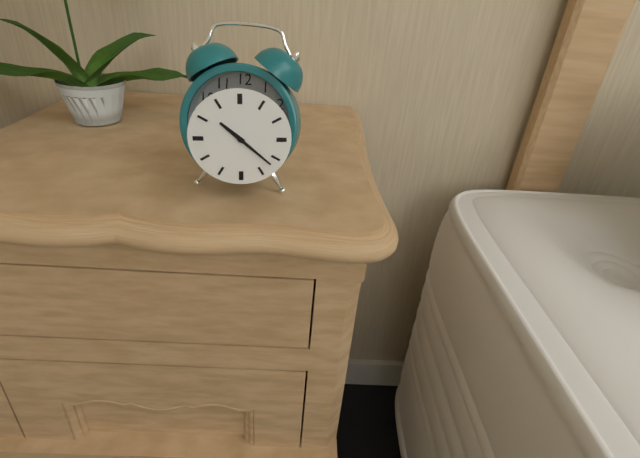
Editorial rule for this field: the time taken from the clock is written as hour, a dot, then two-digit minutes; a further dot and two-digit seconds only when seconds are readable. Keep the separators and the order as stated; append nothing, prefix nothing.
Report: 10.22
